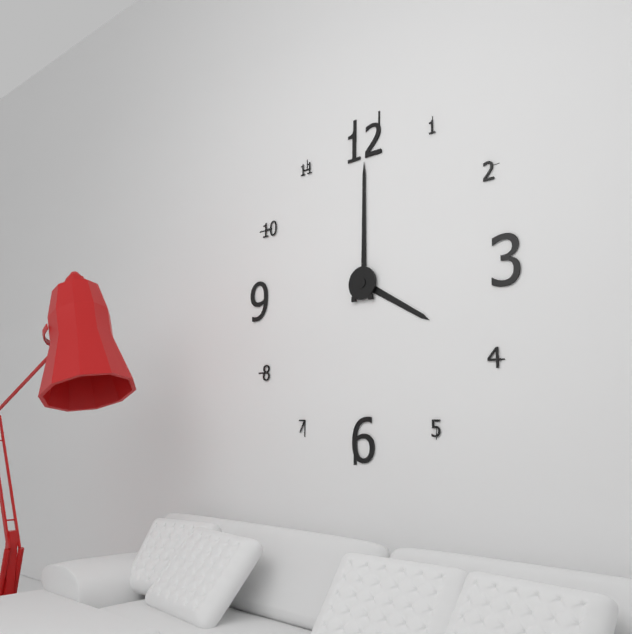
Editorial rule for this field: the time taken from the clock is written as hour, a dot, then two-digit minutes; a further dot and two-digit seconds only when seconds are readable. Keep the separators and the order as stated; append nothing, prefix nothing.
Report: 4.00
